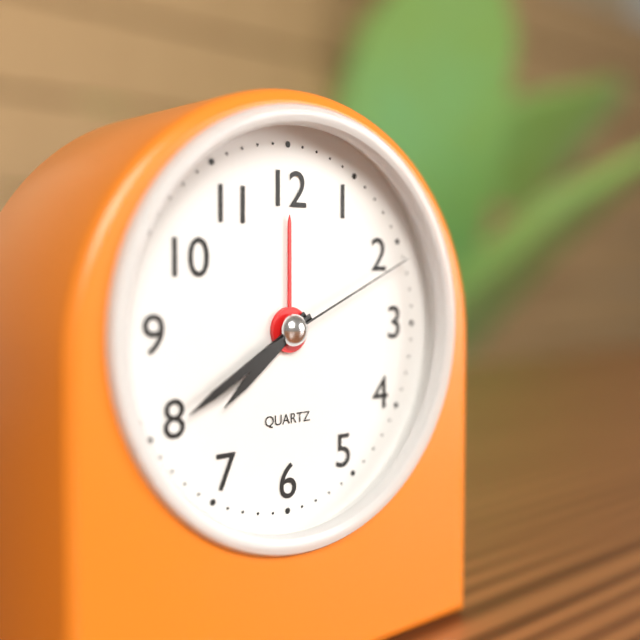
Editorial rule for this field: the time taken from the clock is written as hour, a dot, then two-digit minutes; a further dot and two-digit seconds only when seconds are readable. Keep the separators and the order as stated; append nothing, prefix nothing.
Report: 7.40.11
